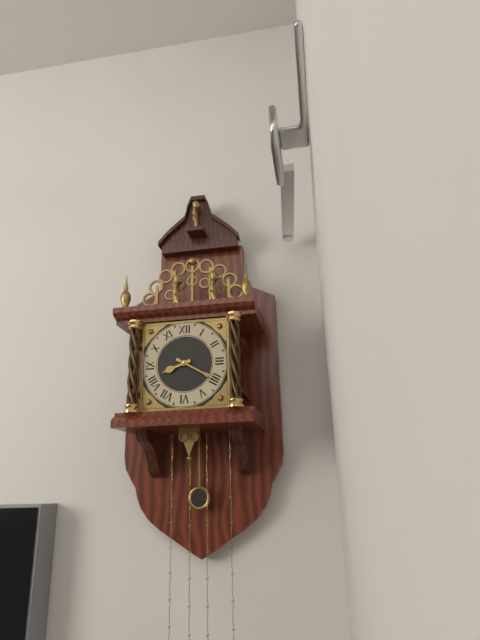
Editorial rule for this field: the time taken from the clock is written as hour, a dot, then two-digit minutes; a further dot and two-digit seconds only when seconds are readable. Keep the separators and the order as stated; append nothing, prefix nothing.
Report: 8.20
